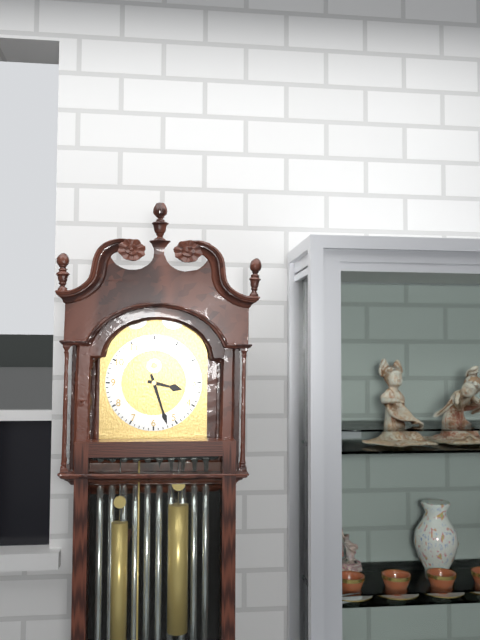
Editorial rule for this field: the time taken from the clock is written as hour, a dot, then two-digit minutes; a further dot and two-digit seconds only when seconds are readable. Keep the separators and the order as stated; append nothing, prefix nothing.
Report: 3.27
